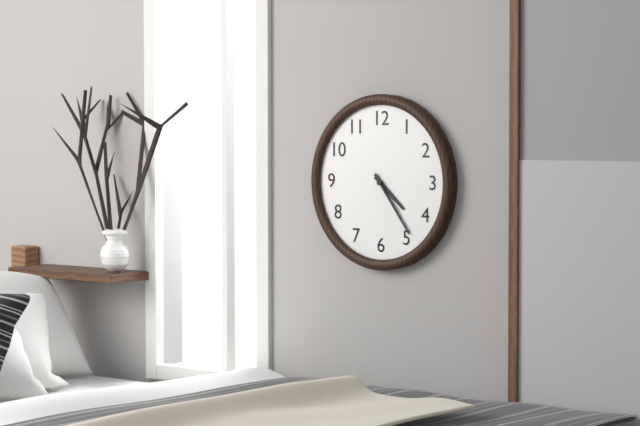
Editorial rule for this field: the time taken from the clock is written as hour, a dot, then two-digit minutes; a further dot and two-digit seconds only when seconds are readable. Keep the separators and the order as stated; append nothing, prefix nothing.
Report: 4.24
